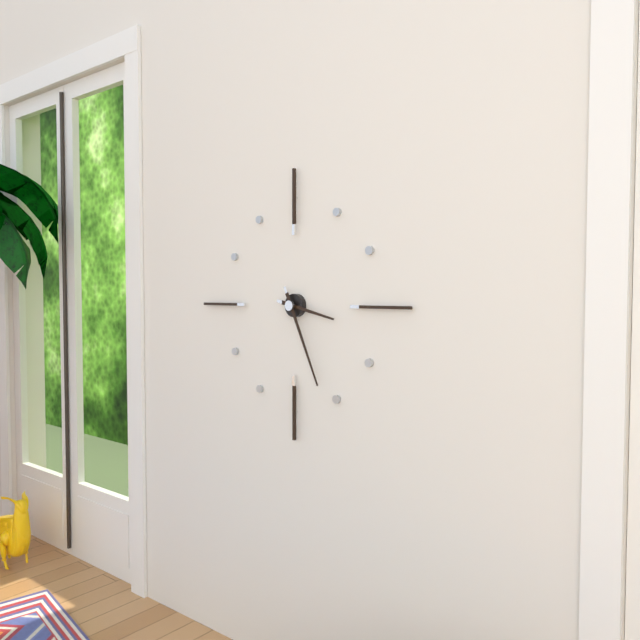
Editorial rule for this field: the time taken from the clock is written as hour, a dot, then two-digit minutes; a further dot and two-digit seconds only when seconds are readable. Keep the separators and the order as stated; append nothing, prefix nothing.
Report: 3.26
